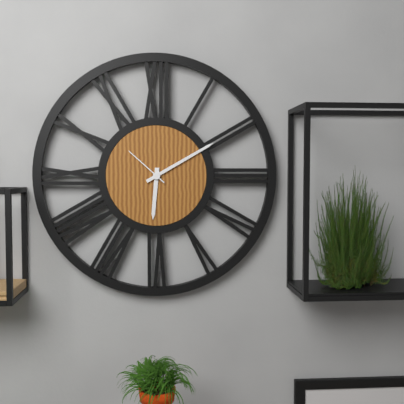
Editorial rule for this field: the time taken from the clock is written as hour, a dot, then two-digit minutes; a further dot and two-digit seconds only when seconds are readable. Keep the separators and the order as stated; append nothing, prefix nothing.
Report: 6.10
